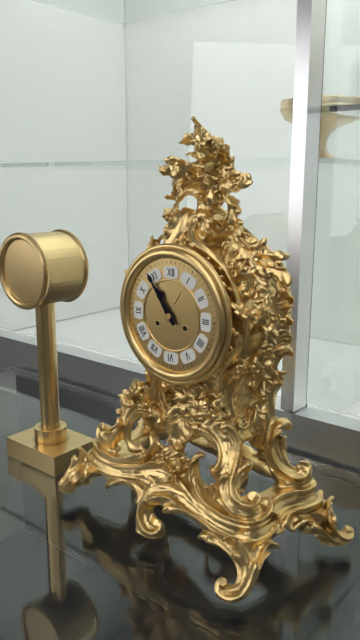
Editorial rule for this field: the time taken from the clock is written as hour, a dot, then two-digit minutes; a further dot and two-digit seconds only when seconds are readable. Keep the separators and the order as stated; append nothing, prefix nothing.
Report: 10.54
